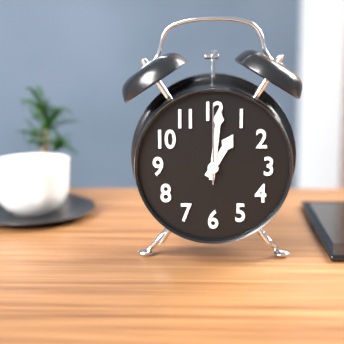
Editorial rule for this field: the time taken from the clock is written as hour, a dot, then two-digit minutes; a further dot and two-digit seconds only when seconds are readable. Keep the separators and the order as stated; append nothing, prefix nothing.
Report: 1.01.00
